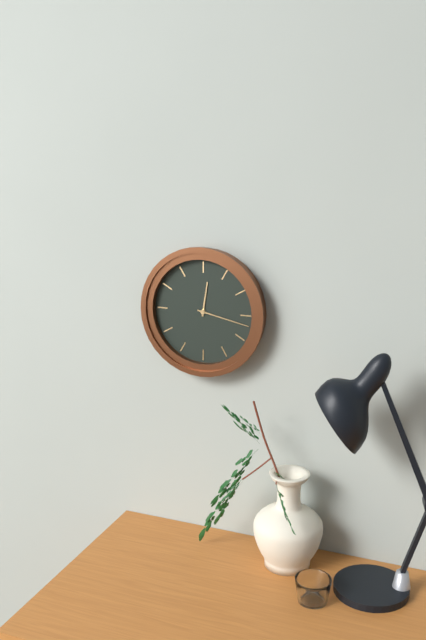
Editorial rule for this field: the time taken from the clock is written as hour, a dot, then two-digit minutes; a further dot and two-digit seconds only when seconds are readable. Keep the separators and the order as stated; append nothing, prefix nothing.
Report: 12.17
